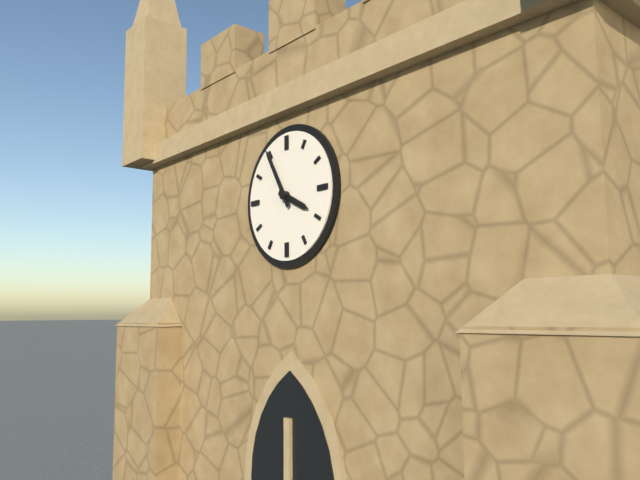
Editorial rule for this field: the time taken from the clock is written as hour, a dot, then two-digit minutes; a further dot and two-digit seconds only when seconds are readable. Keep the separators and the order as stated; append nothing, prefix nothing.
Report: 3.55
